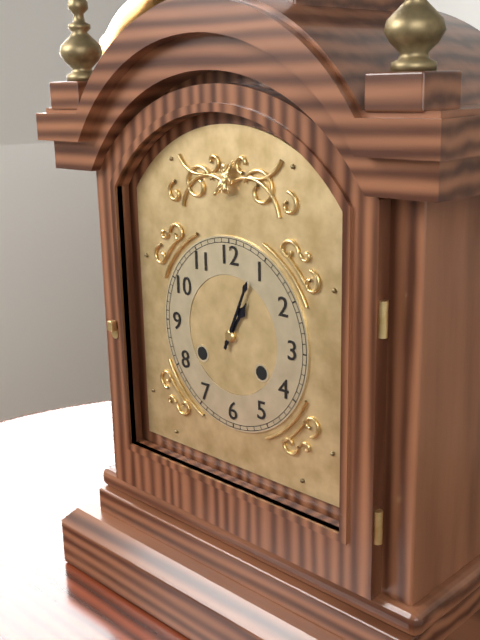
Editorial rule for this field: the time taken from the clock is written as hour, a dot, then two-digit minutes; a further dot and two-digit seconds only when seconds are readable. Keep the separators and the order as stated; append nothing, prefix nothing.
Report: 1.04
